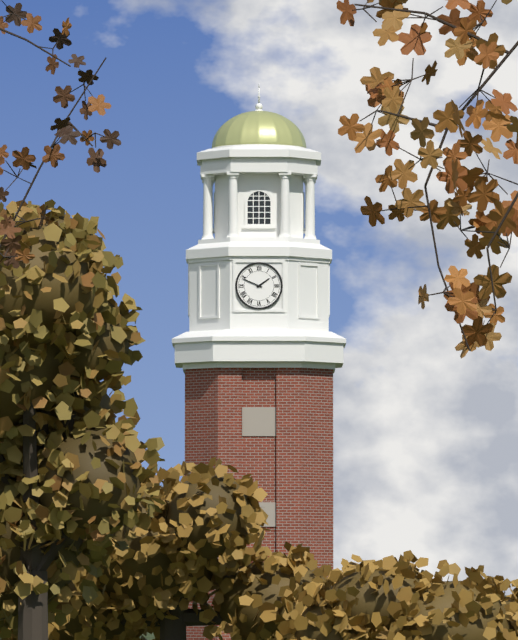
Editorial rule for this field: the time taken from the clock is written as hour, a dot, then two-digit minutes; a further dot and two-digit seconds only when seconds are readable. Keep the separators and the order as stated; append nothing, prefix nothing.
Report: 1.49
